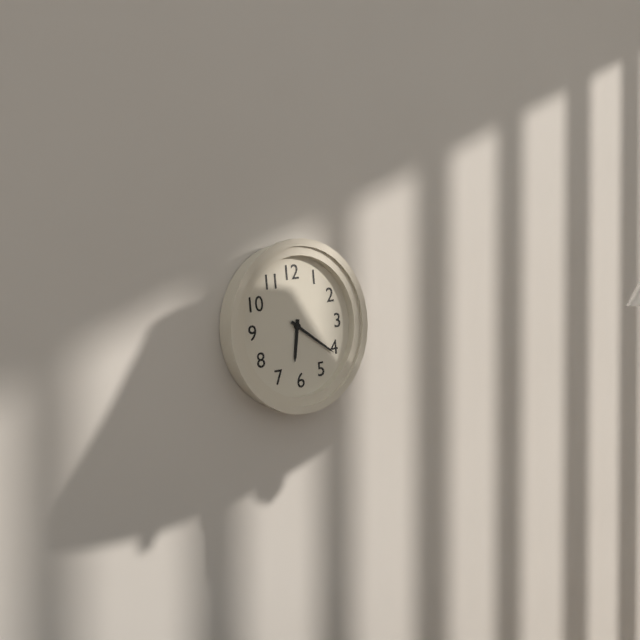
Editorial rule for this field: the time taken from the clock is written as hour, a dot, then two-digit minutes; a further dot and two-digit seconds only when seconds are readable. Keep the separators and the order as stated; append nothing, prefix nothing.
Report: 6.21
